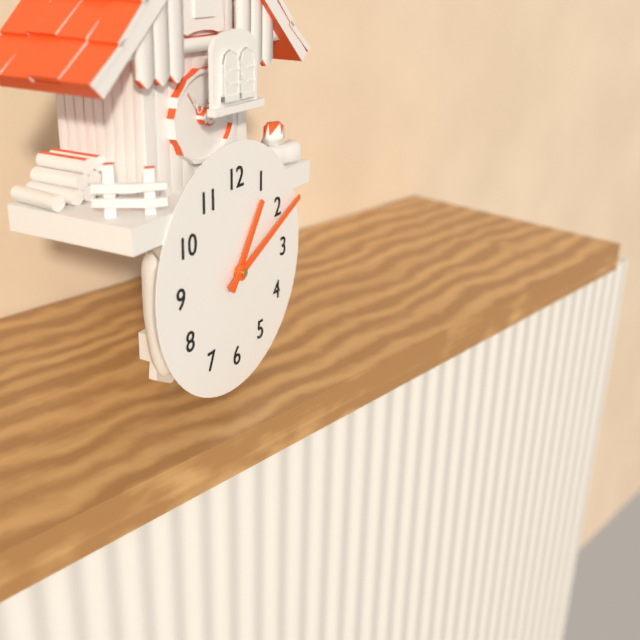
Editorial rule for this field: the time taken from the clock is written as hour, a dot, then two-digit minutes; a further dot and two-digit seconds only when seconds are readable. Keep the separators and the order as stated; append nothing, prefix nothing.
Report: 1.11
